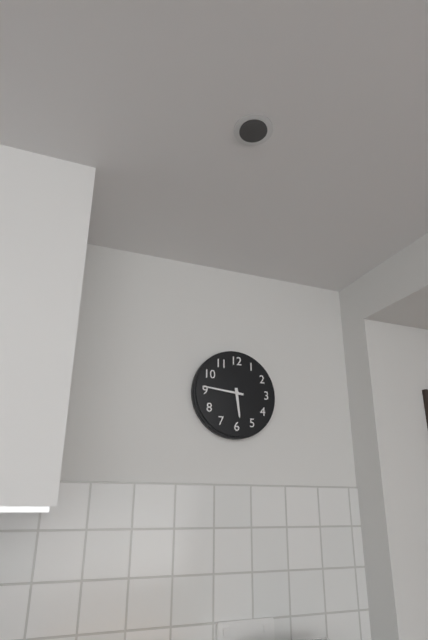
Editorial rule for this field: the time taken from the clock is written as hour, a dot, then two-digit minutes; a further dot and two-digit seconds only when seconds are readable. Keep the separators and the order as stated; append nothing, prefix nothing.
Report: 5.46
